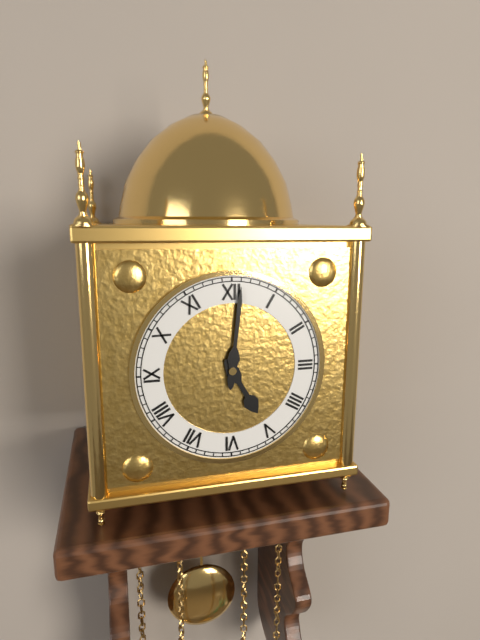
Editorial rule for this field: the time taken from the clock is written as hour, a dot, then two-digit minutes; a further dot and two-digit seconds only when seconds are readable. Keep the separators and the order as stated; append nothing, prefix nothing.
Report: 5.01
